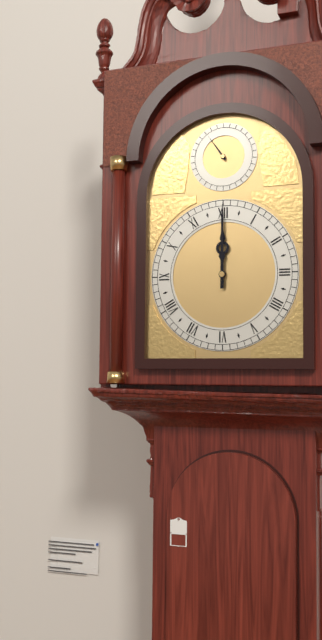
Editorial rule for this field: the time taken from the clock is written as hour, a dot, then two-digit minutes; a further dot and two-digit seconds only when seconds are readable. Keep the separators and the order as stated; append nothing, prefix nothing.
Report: 12.00
